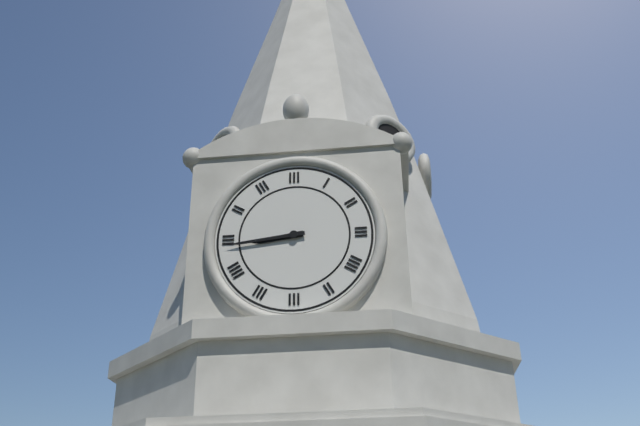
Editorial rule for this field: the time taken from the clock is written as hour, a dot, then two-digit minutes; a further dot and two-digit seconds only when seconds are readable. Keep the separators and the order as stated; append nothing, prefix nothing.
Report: 8.44
